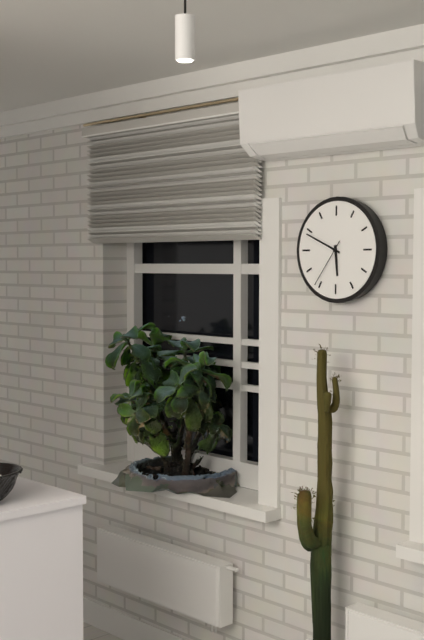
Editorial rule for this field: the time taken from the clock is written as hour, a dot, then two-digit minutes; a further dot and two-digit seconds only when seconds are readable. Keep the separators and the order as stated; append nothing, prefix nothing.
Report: 5.49.36
